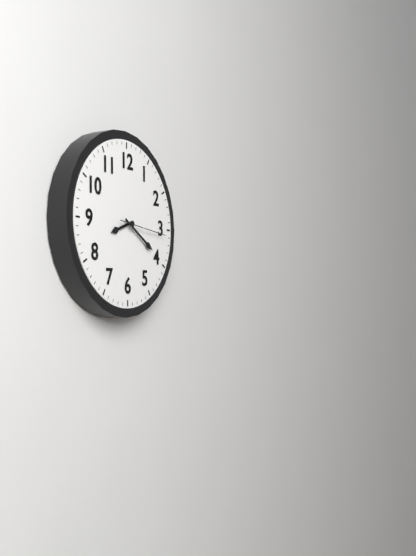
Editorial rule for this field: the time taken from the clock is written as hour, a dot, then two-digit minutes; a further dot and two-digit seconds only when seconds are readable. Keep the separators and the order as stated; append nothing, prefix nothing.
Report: 8.20
